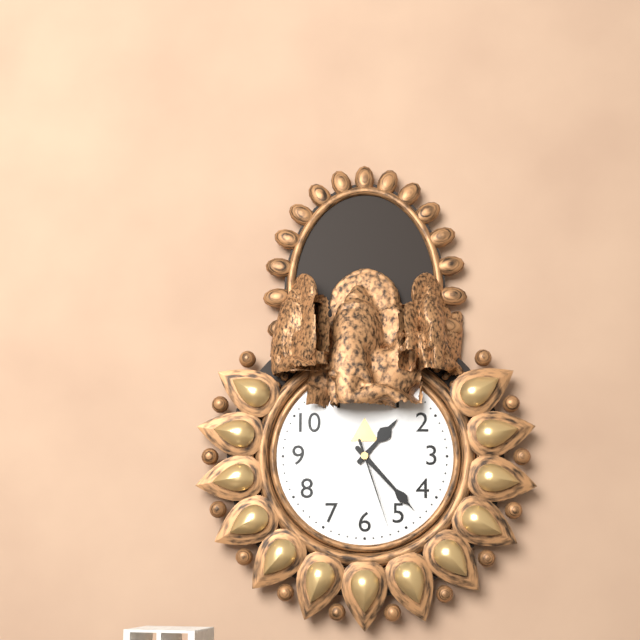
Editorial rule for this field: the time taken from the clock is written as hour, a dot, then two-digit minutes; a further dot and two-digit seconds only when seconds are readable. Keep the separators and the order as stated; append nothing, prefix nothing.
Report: 1.23.27
